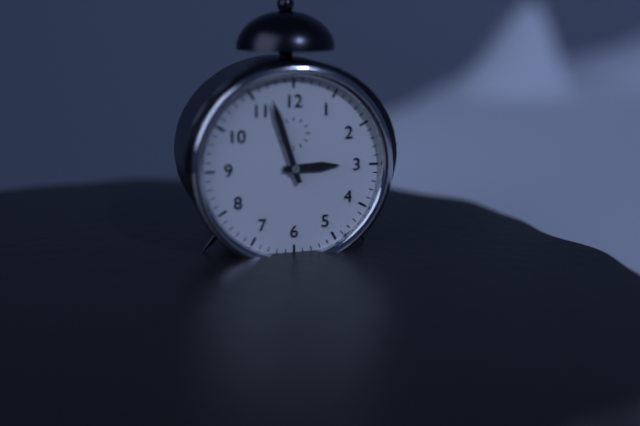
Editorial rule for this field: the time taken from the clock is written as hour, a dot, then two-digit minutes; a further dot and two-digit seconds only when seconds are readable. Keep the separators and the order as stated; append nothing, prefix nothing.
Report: 2.57
